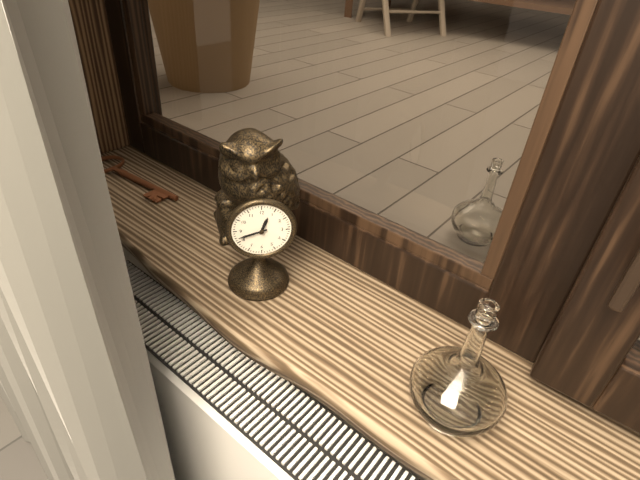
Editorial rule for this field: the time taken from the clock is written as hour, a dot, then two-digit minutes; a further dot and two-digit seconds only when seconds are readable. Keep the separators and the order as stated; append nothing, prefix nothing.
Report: 12.42
